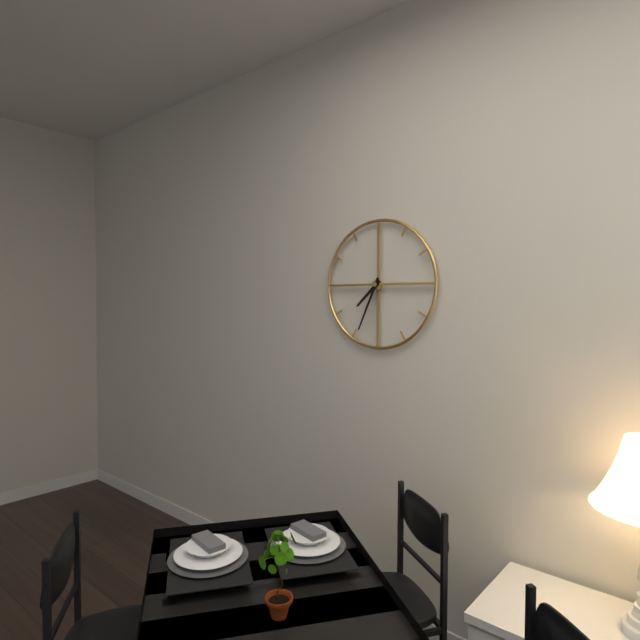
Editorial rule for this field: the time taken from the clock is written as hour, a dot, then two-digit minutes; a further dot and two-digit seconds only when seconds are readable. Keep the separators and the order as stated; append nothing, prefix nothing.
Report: 7.34
